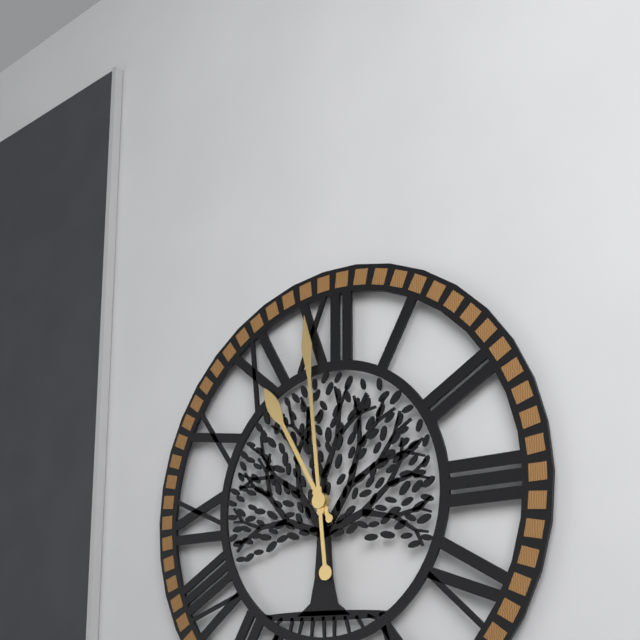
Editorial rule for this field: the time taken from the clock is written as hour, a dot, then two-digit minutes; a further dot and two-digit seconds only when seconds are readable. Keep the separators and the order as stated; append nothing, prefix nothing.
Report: 10.59
